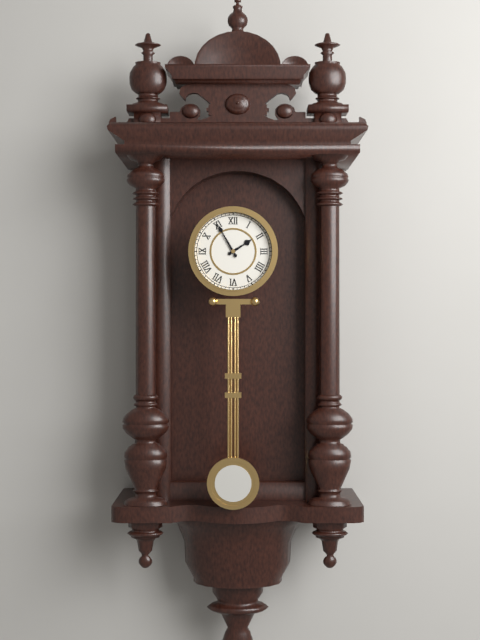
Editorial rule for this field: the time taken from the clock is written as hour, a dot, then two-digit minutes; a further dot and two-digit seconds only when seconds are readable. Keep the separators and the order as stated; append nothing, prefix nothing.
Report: 1.55
